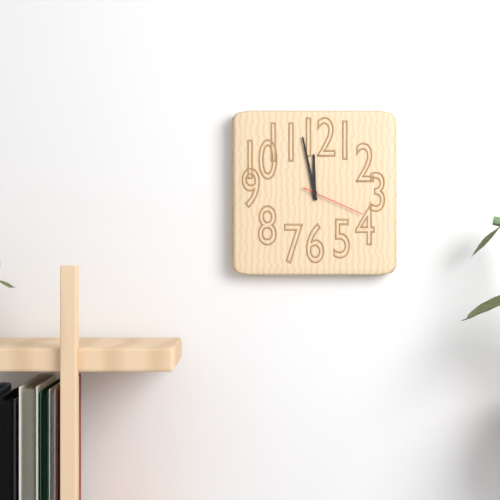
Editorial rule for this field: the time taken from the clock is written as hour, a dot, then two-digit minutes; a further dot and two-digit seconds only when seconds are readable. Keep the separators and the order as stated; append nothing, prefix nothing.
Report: 11.58.19
